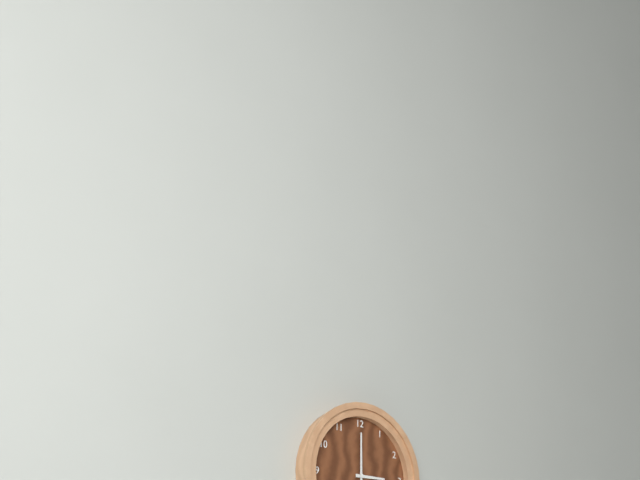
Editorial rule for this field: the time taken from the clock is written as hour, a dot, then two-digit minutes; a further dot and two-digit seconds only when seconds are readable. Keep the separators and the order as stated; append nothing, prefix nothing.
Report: 3.00
